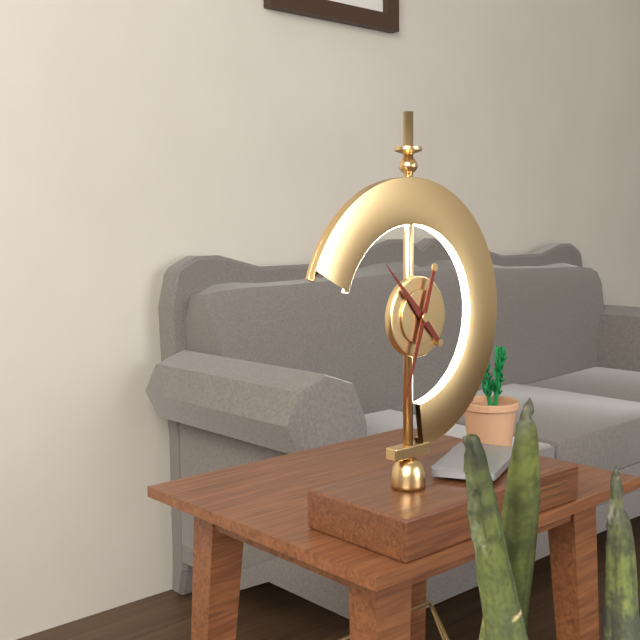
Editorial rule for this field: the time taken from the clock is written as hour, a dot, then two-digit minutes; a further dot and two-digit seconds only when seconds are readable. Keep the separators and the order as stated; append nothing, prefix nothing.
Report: 10.33
